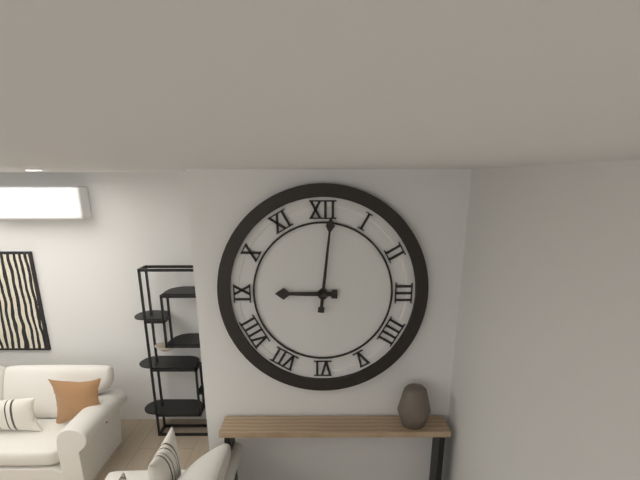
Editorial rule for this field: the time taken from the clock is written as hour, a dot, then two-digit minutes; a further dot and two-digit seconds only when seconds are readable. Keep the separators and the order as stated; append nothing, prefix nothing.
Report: 9.01
